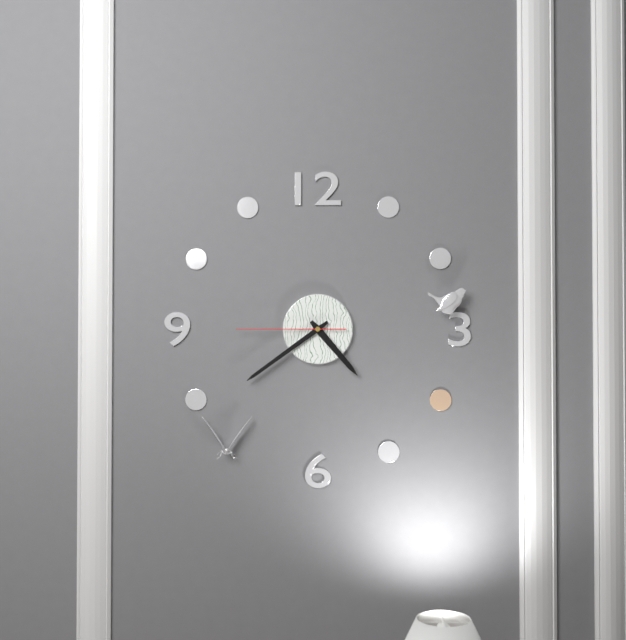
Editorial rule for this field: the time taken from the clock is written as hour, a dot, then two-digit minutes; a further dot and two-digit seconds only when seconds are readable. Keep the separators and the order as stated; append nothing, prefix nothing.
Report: 4.39.45
